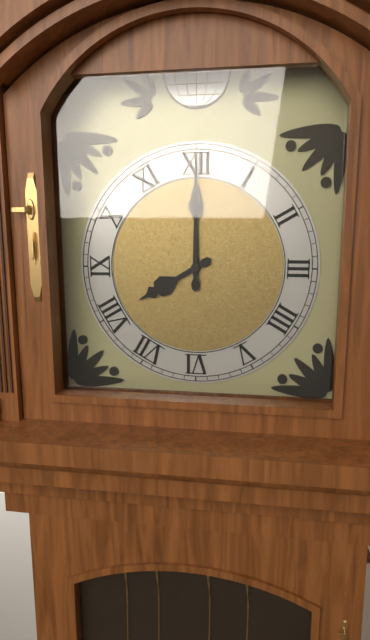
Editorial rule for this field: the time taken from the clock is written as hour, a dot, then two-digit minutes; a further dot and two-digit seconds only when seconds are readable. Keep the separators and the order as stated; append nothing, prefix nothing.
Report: 8.00
